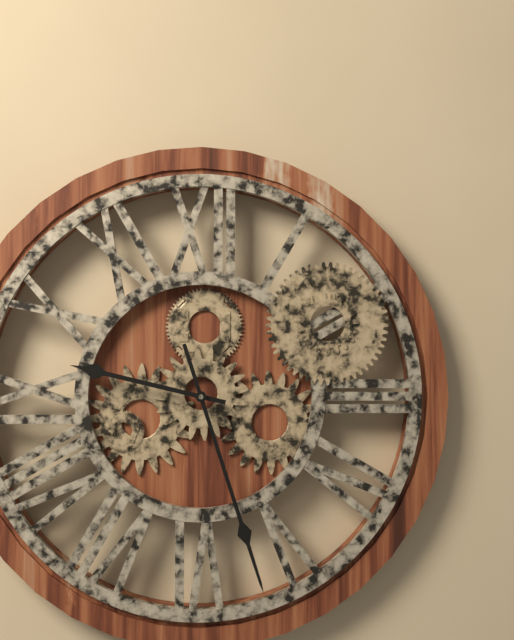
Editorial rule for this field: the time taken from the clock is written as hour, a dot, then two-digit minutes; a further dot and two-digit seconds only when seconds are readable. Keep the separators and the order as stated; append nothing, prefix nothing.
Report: 9.27
